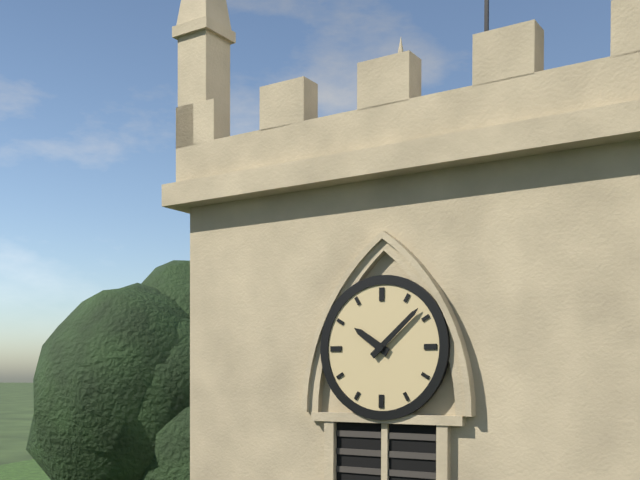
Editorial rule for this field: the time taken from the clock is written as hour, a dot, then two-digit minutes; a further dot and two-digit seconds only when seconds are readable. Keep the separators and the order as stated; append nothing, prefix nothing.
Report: 10.08
